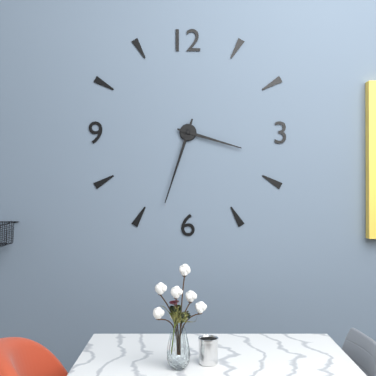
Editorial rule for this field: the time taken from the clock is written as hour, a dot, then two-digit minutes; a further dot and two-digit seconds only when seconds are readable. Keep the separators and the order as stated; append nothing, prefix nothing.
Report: 3.33
